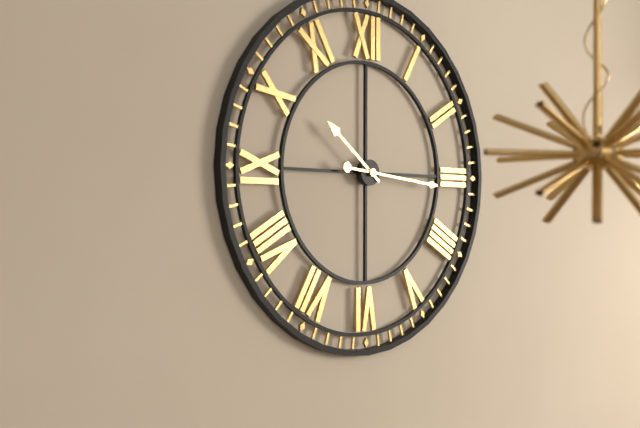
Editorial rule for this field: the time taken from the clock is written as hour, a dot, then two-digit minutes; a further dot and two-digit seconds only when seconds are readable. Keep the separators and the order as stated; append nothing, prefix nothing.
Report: 10.16
